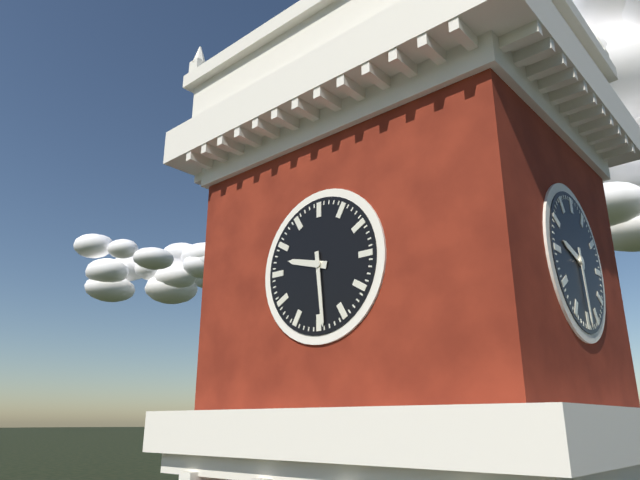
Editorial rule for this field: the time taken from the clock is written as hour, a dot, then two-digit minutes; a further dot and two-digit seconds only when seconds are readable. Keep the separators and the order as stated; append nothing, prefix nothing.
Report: 9.29
